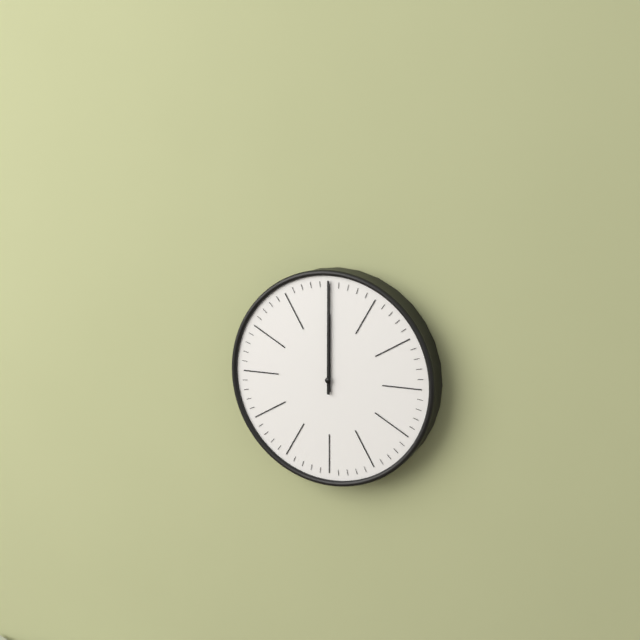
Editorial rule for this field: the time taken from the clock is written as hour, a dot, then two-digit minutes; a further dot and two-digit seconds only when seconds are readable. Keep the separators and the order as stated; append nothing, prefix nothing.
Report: 12.00
